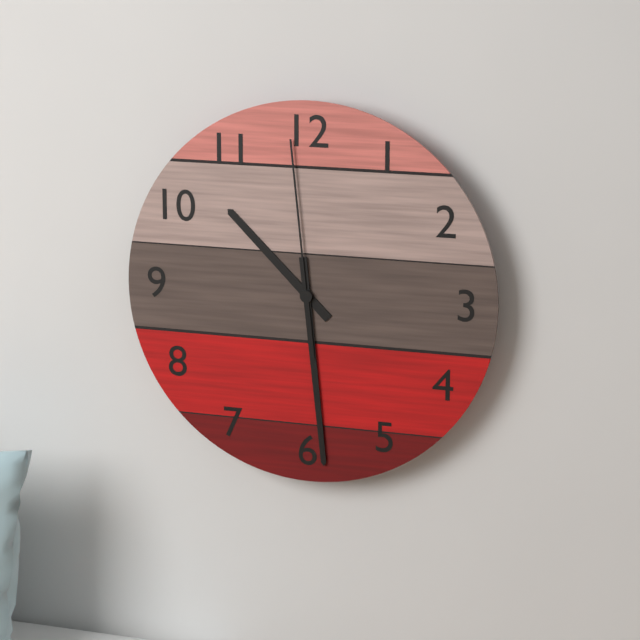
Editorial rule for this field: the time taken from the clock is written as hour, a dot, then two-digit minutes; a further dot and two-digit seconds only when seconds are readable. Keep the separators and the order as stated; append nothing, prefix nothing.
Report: 10.29.59
